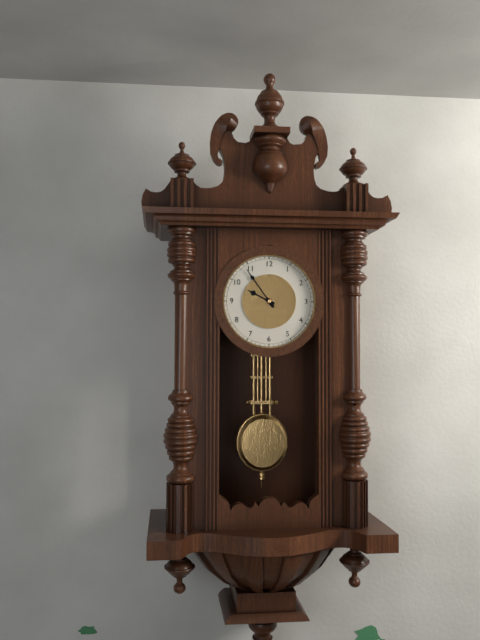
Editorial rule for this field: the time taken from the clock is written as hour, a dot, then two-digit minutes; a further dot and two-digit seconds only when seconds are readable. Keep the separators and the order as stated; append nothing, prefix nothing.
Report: 9.54
